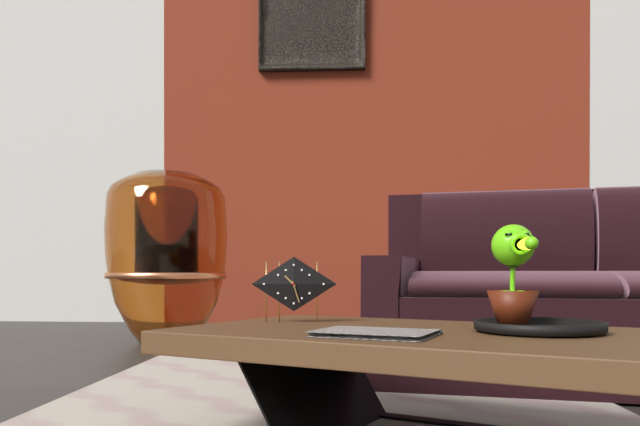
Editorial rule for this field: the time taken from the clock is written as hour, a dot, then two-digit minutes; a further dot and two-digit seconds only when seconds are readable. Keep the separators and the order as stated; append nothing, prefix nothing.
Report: 10.27
